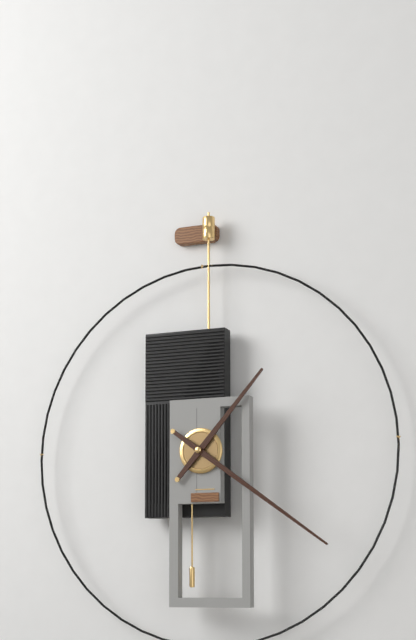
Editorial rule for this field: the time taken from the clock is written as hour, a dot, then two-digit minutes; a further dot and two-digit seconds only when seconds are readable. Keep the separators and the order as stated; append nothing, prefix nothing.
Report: 1.21
